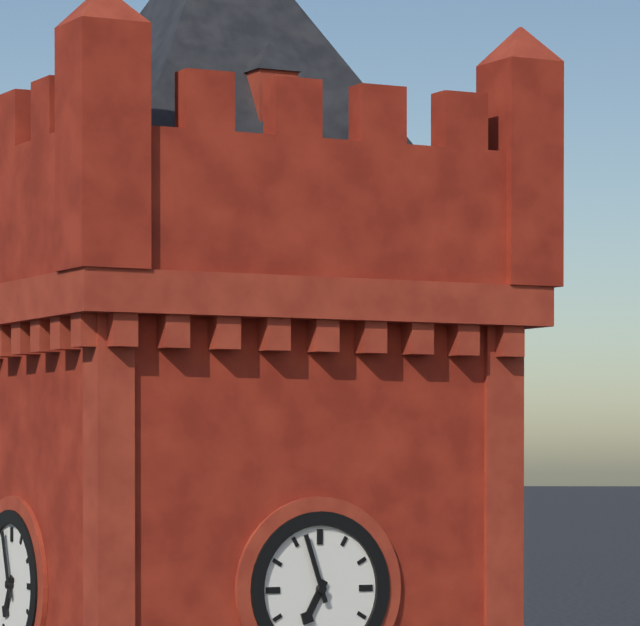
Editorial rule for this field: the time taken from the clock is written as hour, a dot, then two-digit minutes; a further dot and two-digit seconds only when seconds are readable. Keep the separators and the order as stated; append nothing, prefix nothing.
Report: 6.57
